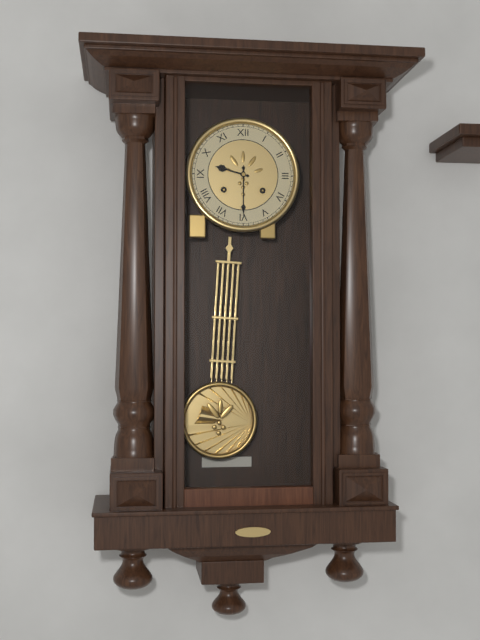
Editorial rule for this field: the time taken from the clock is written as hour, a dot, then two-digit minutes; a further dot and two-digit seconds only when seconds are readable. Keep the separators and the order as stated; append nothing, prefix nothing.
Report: 9.30
